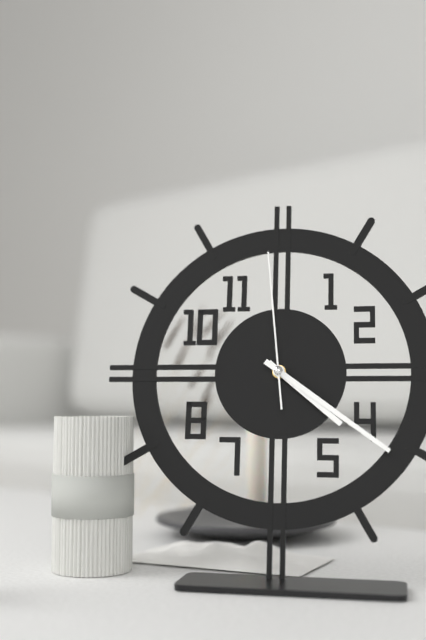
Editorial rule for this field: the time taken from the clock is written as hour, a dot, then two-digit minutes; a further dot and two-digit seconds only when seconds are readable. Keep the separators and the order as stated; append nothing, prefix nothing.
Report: 4.21.59
